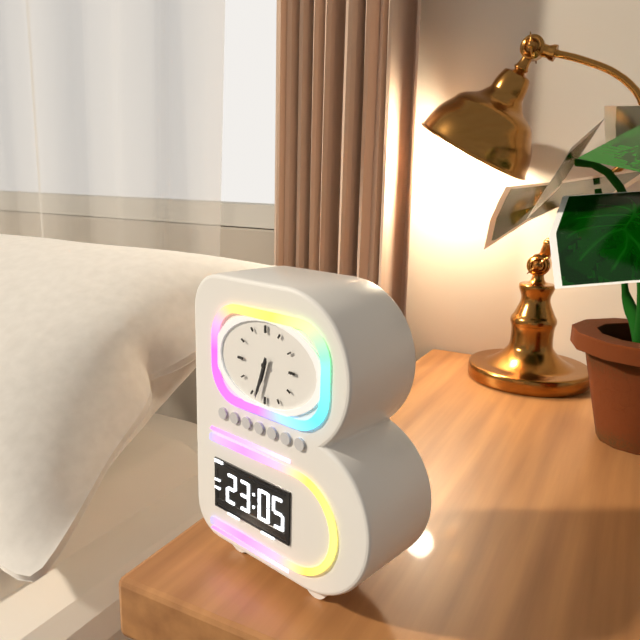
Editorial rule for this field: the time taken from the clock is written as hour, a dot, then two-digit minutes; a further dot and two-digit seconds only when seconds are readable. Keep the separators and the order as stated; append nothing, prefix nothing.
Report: 6.33
